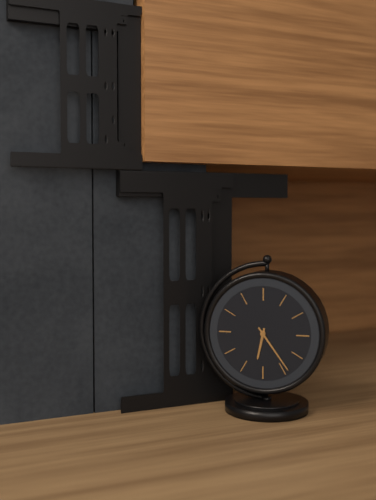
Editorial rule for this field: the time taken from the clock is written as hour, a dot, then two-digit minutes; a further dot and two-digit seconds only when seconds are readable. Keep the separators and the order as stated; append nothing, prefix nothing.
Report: 6.24
